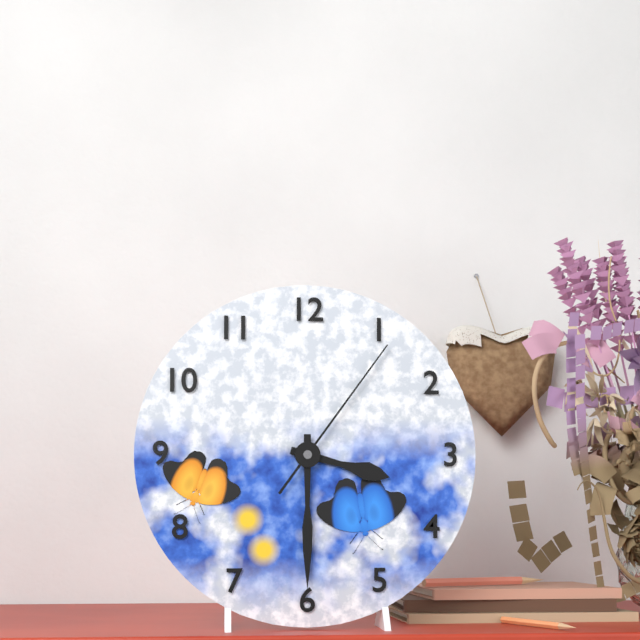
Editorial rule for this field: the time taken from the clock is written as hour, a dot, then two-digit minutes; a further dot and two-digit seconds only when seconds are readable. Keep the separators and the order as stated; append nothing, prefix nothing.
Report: 3.30.06
